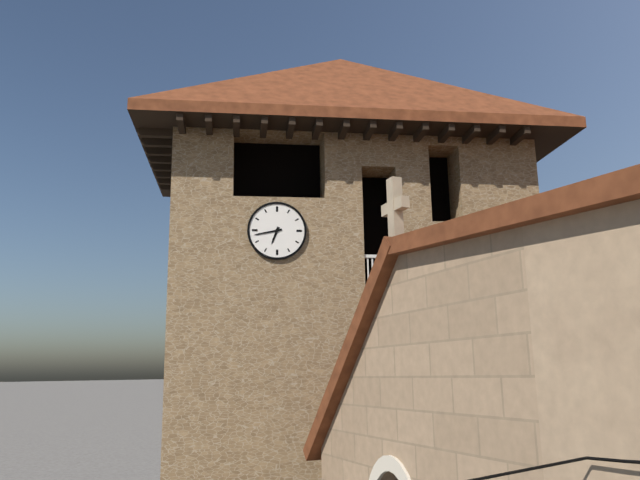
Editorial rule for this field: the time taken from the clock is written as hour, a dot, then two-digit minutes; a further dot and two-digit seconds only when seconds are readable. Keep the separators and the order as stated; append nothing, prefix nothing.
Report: 6.43
